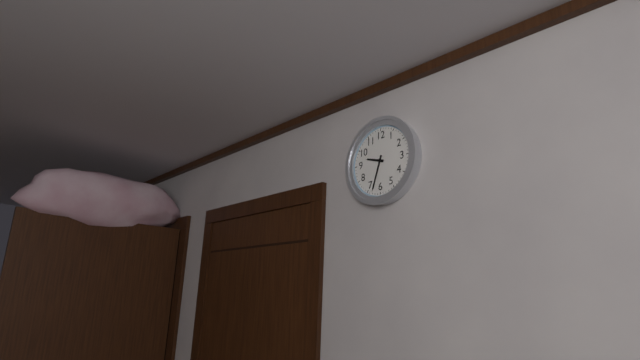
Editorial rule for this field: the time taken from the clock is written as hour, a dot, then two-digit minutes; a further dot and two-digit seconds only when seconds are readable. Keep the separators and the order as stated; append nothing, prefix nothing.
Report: 9.33
